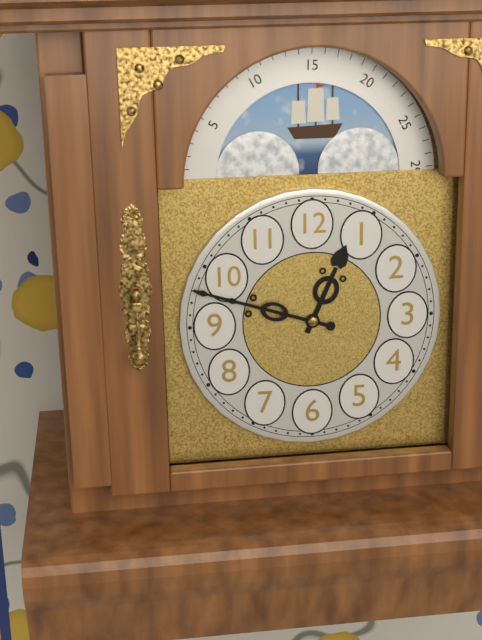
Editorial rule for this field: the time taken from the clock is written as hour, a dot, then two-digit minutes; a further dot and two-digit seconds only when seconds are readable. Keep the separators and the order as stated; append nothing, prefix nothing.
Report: 12.48
